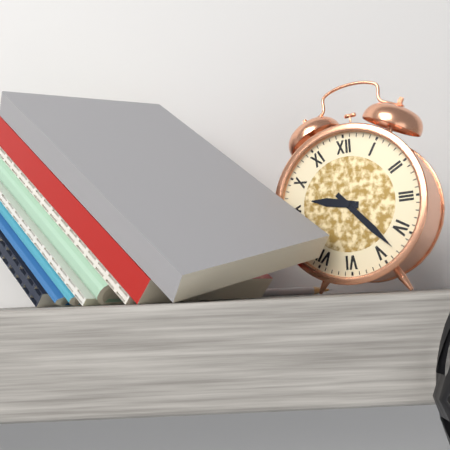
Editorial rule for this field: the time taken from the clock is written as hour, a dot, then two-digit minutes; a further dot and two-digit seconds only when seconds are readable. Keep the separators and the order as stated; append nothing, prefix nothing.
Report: 9.23
